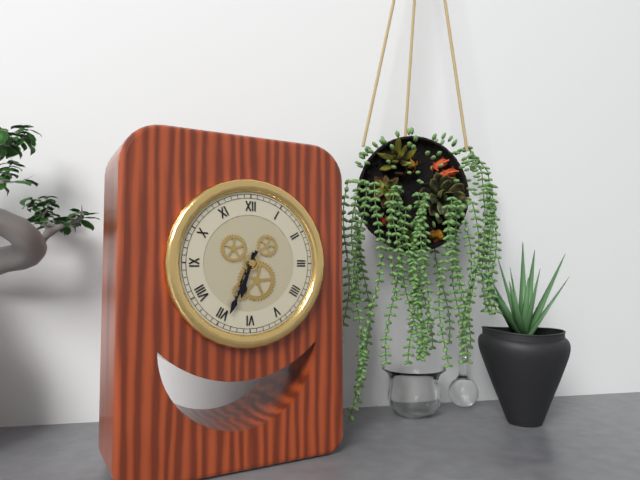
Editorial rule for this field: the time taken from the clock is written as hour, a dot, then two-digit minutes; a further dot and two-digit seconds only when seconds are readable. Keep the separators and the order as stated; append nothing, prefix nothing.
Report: 6.34
